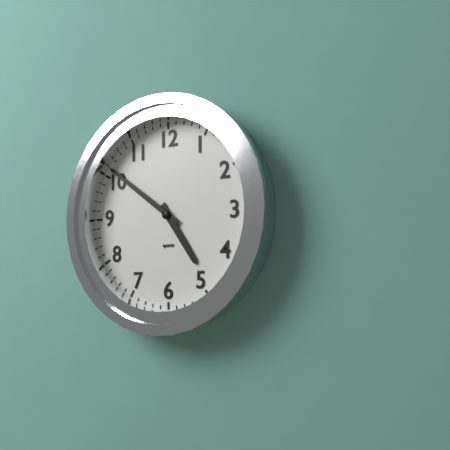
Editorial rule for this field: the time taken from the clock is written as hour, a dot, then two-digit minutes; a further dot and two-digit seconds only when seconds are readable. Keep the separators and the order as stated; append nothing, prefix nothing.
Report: 4.51
